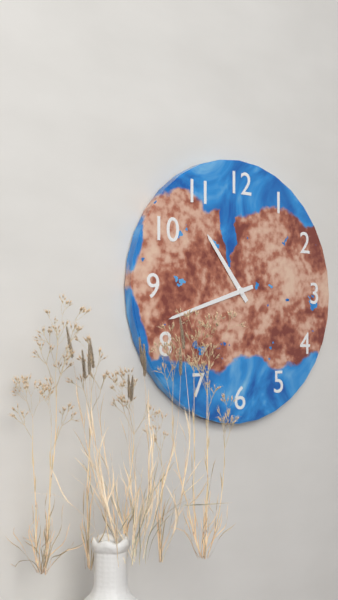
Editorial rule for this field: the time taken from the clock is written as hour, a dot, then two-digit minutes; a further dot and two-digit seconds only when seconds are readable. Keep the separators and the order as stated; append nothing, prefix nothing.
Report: 10.42
